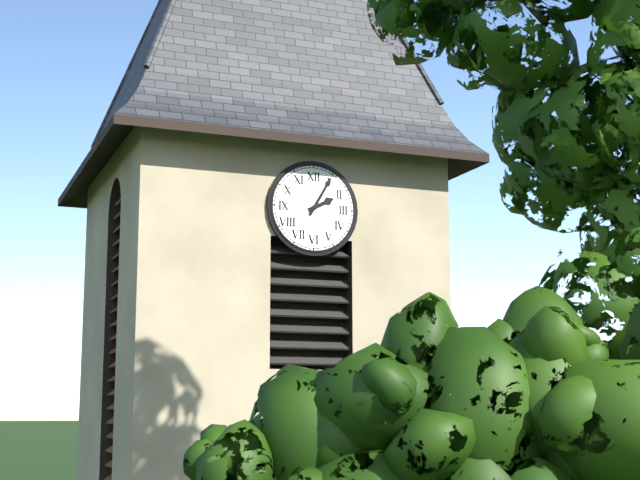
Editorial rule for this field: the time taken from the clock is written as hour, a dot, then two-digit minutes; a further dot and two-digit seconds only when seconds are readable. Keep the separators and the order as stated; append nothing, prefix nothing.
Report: 2.05
